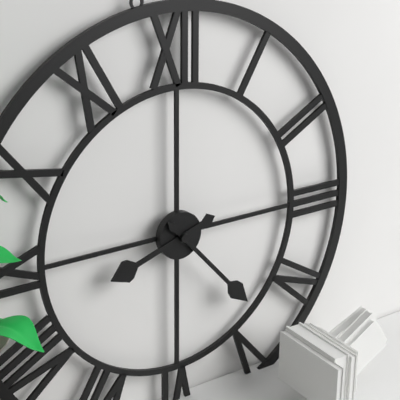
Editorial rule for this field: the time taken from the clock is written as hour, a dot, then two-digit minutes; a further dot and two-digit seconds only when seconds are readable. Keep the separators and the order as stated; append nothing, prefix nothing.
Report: 8.23
